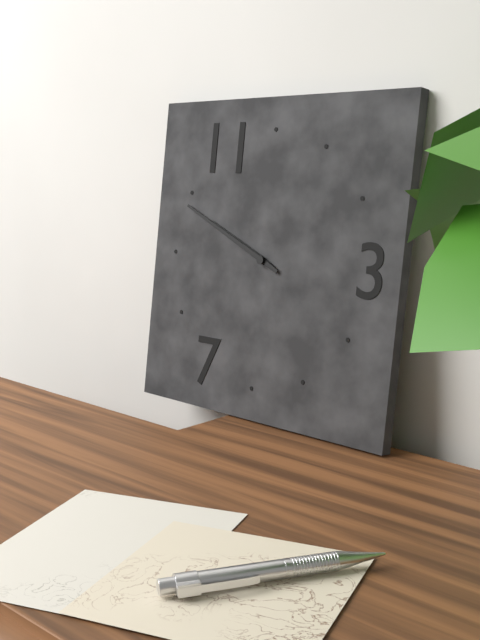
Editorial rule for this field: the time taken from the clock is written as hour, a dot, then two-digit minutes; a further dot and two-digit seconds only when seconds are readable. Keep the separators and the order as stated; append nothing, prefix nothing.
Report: 9.49
